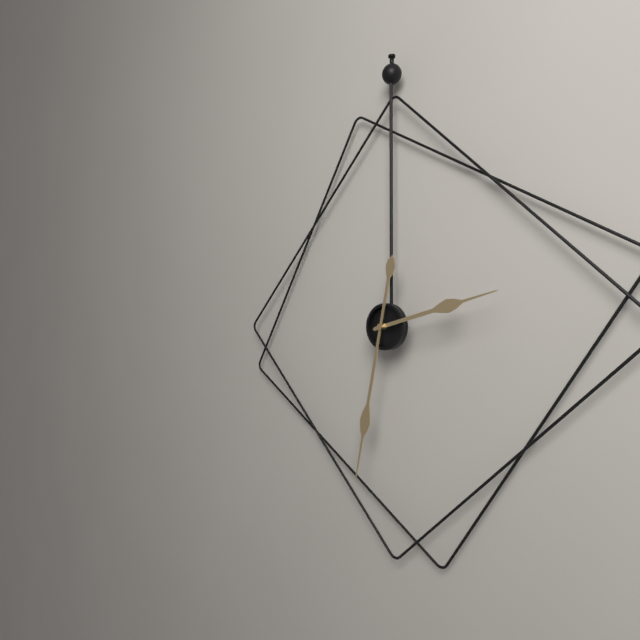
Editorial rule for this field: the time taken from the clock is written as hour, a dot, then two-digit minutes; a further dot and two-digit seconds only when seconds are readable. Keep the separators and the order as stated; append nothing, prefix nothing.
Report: 2.32
